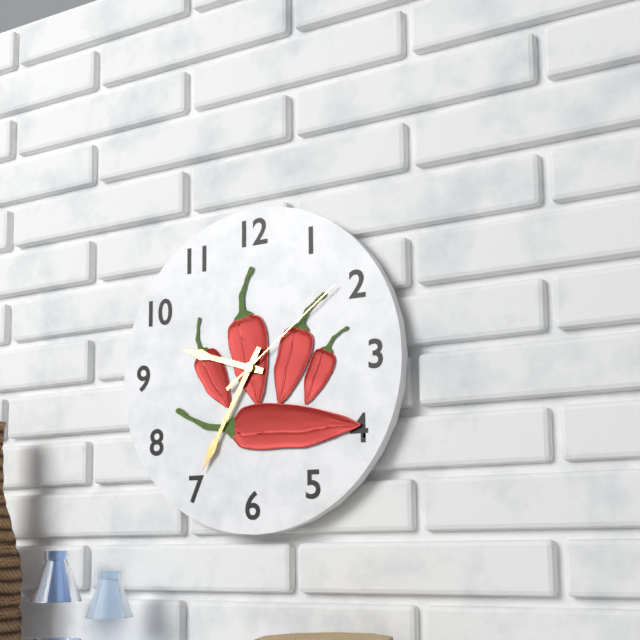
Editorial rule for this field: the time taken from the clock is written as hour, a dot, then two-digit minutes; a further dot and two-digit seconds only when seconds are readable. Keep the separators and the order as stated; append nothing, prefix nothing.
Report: 9.35.09
